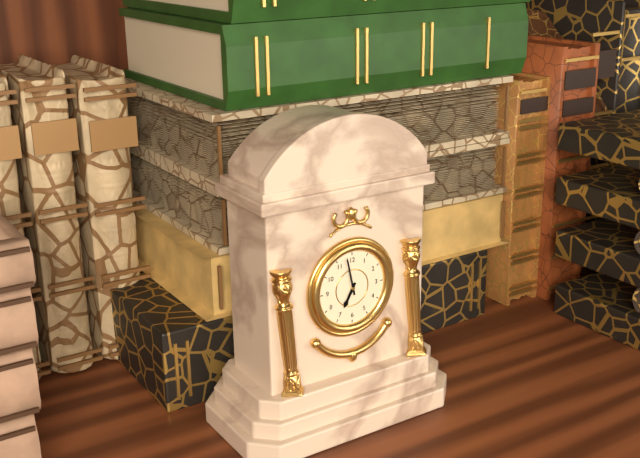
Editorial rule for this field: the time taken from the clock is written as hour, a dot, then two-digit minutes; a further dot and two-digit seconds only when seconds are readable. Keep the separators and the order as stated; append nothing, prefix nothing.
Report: 6.58
